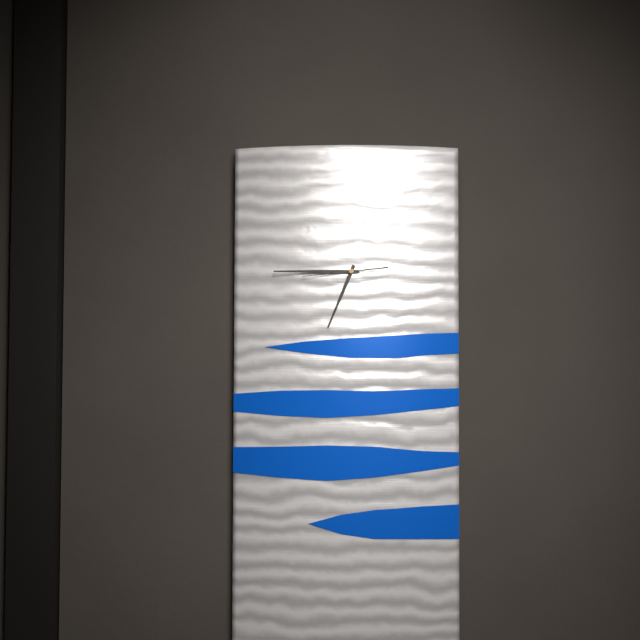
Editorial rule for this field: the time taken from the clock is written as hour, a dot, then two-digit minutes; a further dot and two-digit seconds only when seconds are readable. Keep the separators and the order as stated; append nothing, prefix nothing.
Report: 6.45.44
